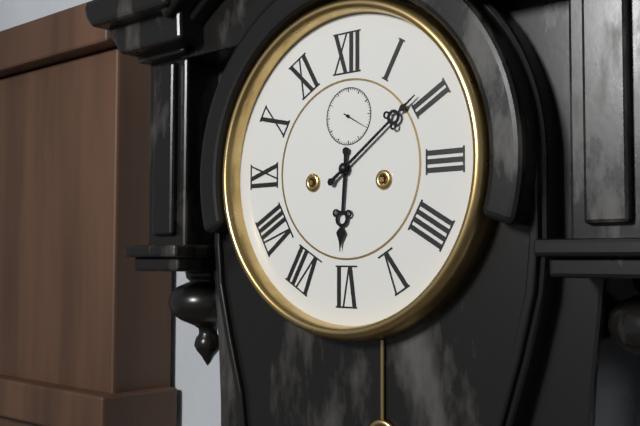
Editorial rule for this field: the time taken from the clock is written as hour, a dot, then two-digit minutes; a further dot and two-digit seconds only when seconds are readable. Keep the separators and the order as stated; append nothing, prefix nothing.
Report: 6.09
